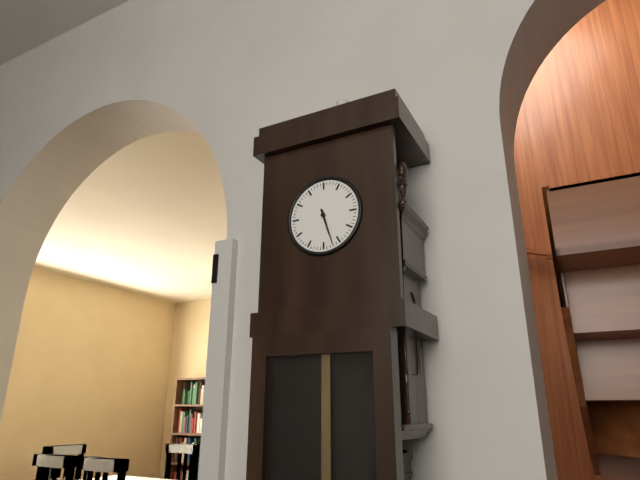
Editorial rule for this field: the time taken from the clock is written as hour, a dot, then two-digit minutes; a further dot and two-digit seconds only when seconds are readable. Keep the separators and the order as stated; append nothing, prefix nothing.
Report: 5.27
